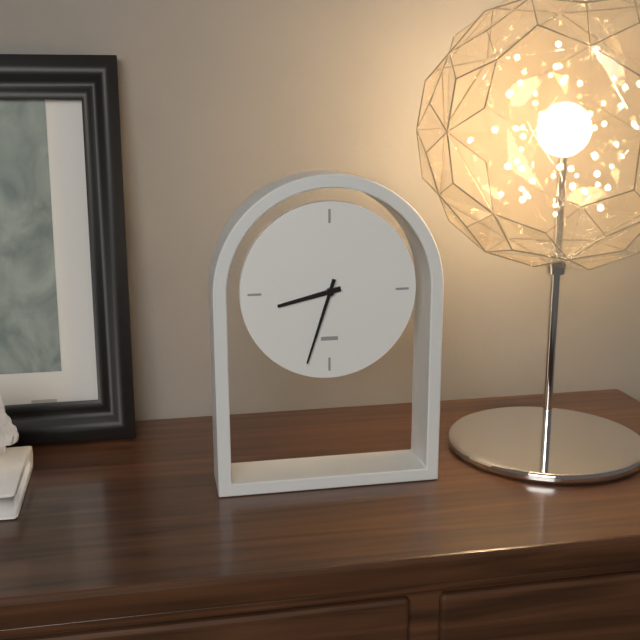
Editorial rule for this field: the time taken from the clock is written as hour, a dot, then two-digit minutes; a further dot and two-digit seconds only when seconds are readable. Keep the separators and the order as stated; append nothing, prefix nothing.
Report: 8.33
